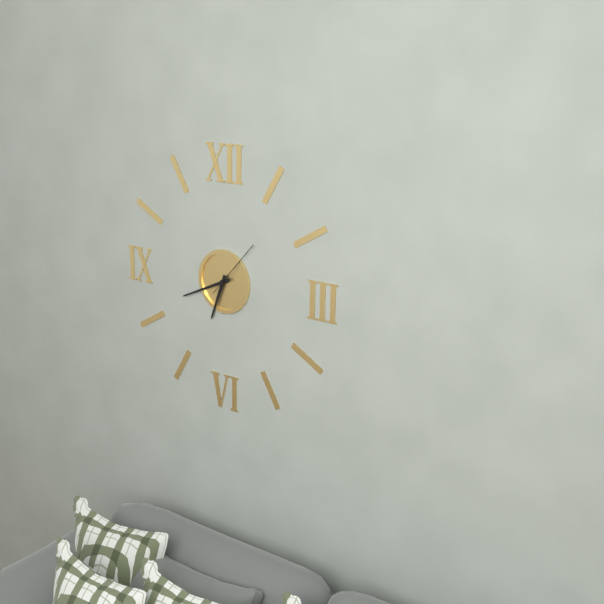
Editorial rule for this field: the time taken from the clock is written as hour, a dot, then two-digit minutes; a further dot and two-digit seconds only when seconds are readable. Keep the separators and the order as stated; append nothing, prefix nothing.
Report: 6.41.07
